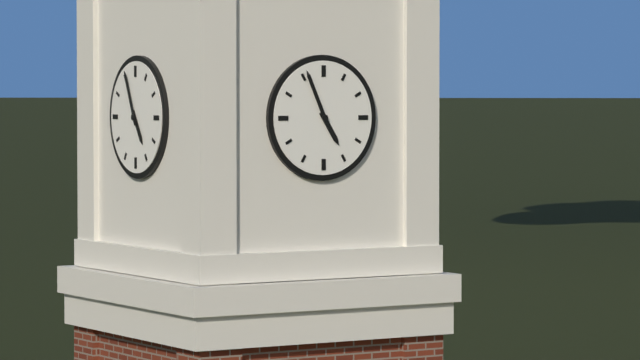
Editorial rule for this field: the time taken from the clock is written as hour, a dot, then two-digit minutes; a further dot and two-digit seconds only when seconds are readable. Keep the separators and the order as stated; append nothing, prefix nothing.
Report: 4.56
